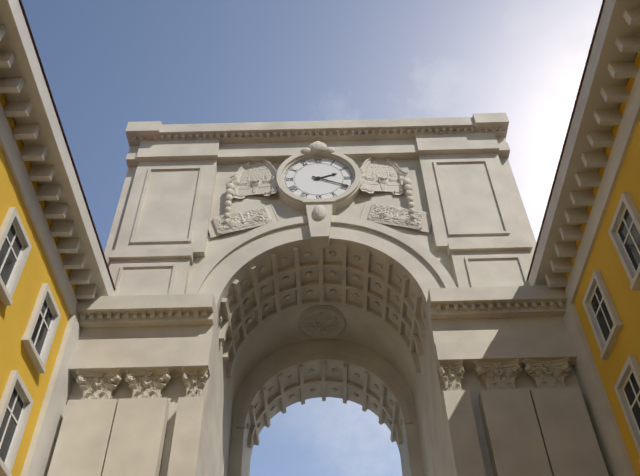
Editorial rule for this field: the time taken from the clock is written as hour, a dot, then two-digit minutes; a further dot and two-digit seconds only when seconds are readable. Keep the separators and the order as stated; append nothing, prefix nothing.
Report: 2.19
